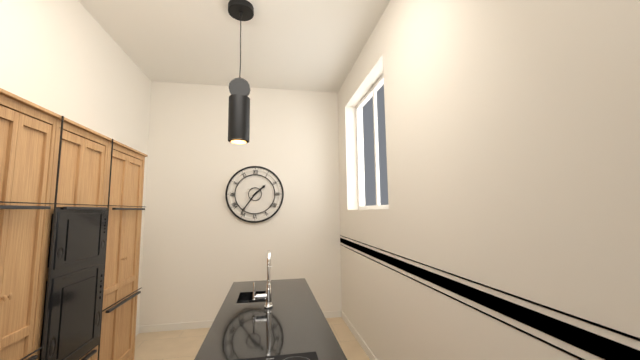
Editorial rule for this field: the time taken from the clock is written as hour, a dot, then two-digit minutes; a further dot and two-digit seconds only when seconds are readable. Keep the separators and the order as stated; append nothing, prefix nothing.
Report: 1.36
